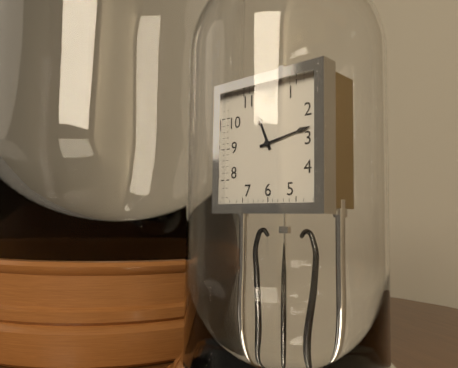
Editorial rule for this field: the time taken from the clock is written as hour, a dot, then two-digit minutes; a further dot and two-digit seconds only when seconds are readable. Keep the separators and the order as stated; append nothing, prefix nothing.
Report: 11.13
